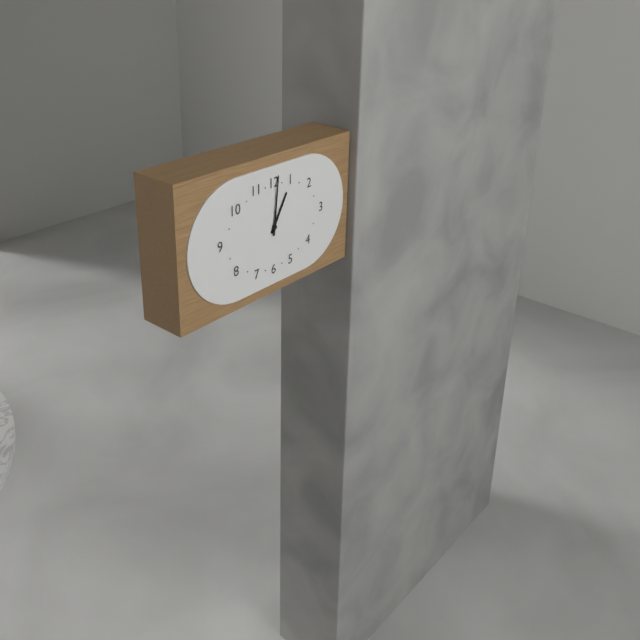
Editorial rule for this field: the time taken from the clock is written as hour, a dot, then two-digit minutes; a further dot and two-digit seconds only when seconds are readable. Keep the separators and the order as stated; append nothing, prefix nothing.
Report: 1.01
